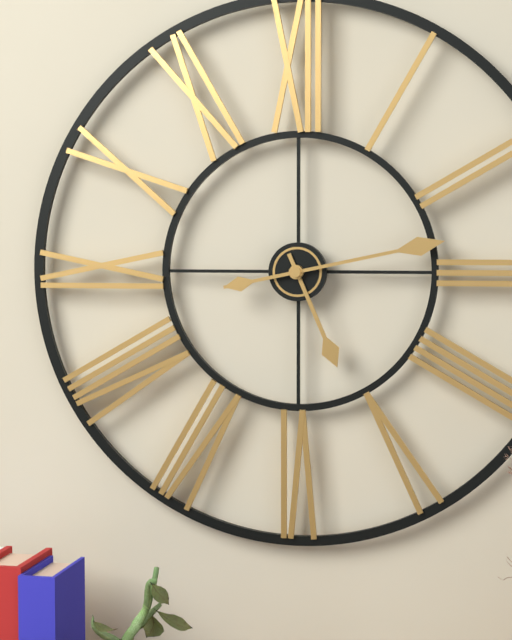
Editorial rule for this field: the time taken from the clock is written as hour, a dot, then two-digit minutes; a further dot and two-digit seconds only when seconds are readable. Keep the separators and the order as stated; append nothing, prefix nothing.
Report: 5.13
